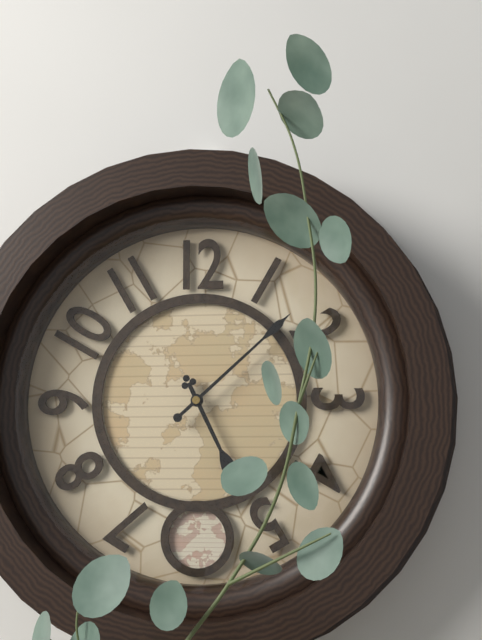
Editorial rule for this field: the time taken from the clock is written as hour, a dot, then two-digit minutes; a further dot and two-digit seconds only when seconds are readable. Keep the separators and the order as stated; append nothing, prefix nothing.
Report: 5.08
